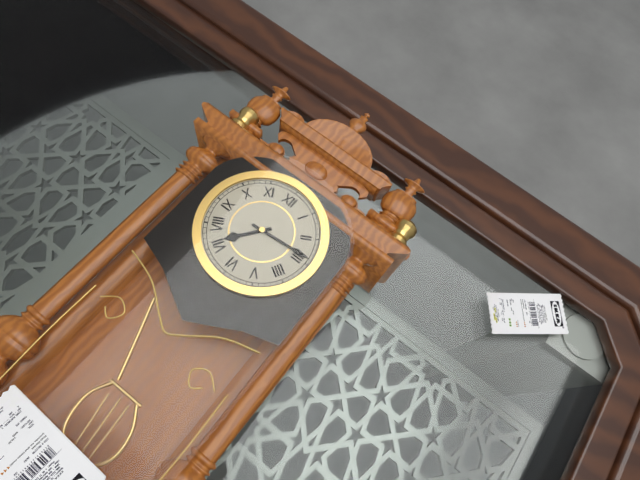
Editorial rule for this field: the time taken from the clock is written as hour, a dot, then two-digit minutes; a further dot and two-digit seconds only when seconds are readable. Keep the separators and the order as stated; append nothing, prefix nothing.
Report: 7.14
